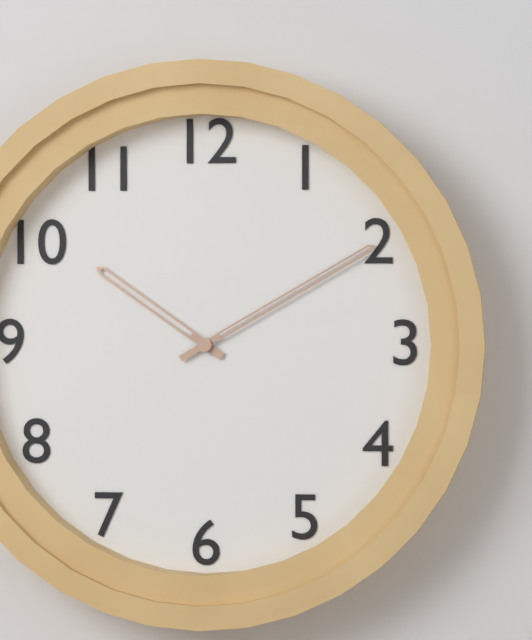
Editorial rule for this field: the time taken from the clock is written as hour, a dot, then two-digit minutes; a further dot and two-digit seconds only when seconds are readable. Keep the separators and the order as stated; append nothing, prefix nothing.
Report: 10.10
